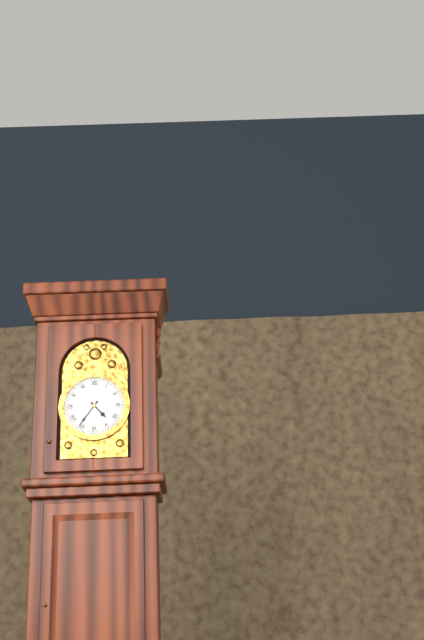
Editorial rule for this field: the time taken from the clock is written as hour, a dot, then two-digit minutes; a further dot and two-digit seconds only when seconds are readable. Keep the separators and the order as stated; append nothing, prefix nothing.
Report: 4.36
